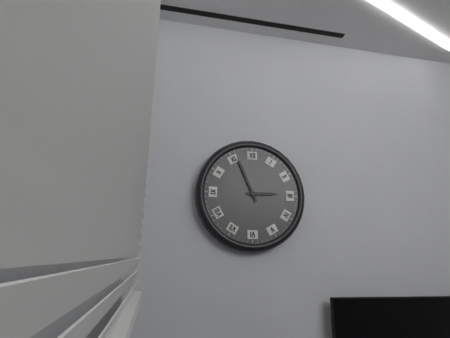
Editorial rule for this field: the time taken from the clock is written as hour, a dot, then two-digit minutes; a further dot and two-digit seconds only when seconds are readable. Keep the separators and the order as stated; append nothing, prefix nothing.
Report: 2.56
